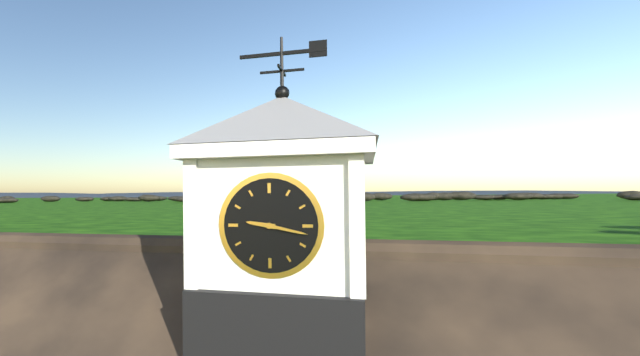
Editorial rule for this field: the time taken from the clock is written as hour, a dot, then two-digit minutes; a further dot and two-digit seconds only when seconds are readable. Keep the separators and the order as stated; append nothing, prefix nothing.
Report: 9.17
